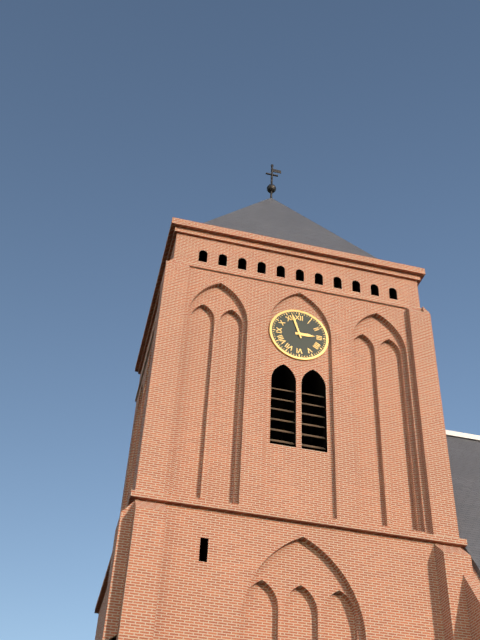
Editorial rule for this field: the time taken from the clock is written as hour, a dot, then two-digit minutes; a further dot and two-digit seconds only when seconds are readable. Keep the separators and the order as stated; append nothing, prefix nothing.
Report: 2.57
